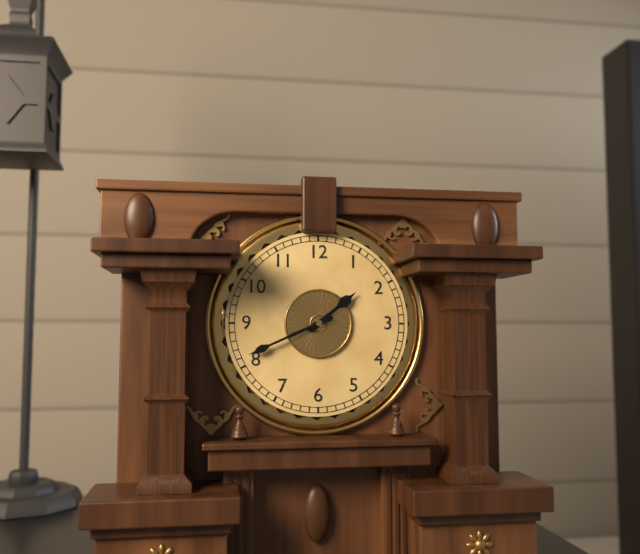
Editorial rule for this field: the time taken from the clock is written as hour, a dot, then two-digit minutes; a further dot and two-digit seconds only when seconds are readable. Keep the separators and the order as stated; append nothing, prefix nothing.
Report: 1.41
